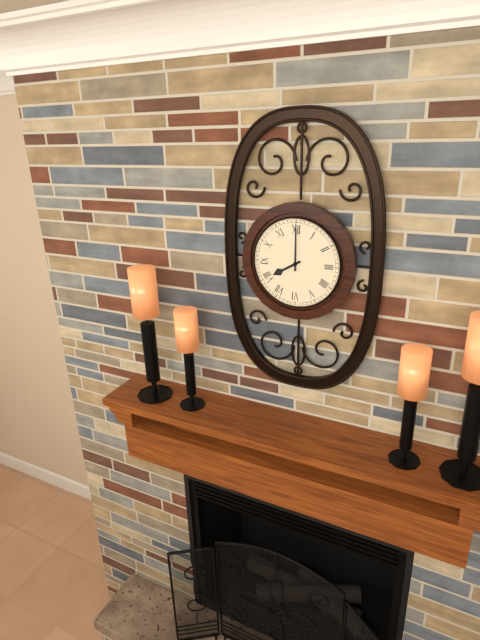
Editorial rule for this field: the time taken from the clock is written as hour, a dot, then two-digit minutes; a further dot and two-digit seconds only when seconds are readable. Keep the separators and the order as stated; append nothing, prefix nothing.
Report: 8.00
